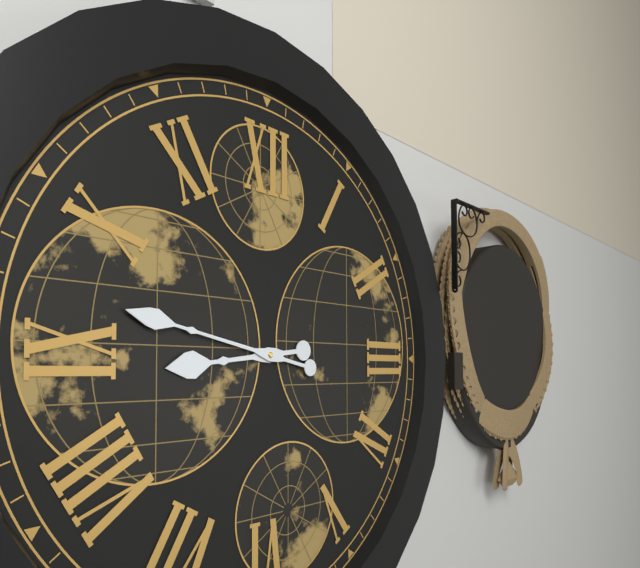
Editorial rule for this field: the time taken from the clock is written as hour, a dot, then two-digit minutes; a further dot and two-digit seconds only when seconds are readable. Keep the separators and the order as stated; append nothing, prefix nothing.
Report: 8.47
